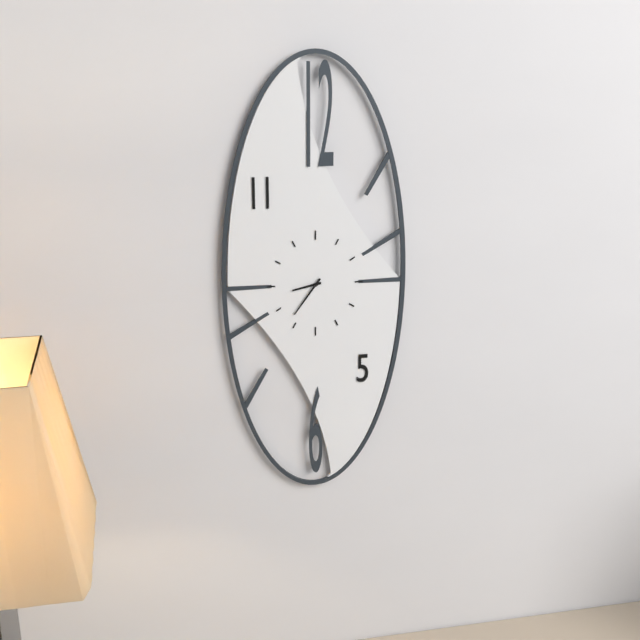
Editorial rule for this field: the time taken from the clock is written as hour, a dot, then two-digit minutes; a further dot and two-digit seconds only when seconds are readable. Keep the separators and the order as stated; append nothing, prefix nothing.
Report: 8.36
